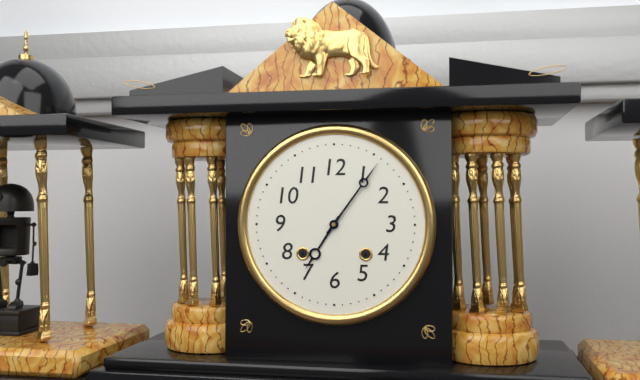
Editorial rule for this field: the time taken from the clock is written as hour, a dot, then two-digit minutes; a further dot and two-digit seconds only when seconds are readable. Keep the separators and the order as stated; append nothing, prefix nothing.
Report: 7.06
